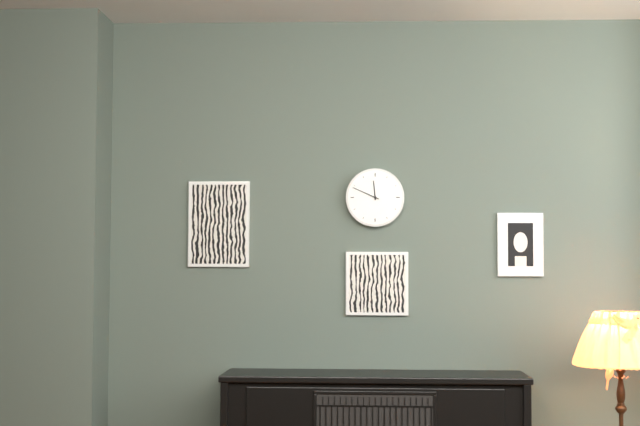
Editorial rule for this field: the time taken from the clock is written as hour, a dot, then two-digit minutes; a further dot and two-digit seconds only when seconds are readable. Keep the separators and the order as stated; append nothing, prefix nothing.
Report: 11.49
